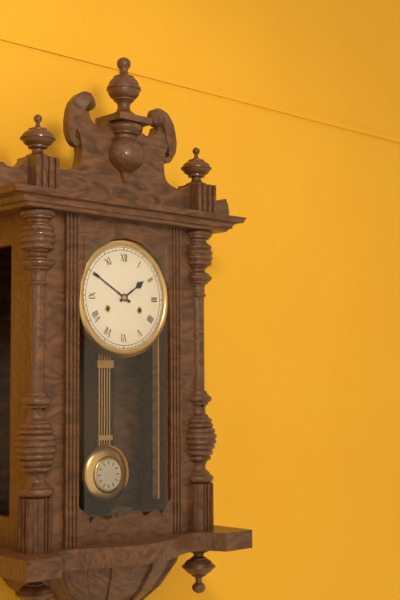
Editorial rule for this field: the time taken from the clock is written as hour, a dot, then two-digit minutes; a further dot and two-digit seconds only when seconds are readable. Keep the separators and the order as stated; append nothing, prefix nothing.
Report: 1.50
